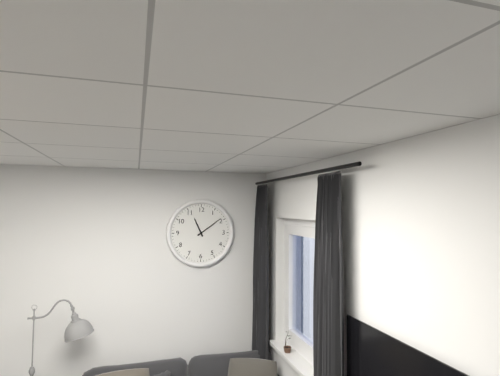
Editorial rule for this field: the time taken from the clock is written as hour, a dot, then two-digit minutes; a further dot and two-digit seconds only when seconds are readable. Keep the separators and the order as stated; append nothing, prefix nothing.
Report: 11.09
